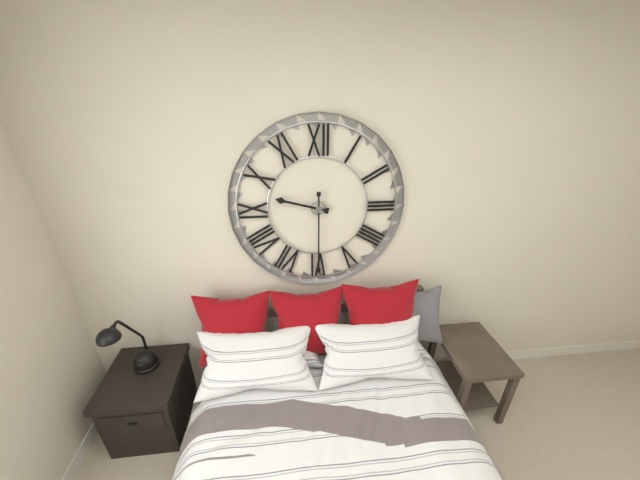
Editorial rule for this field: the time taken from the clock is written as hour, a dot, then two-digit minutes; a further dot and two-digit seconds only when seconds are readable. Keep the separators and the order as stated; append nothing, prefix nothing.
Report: 9.30
